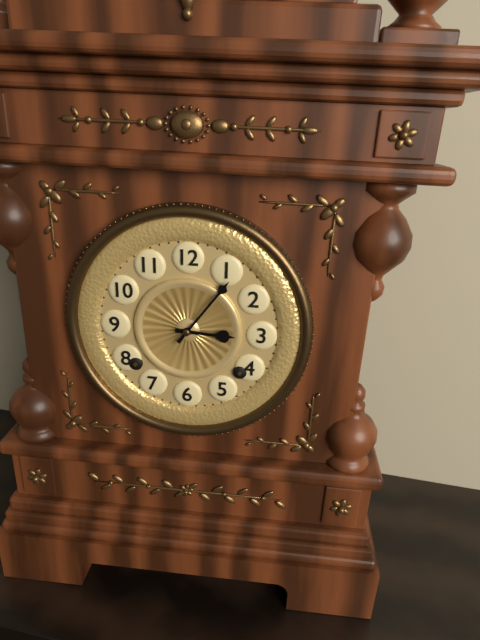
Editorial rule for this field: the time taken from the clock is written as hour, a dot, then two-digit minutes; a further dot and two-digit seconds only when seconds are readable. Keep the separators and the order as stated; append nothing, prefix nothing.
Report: 3.06
